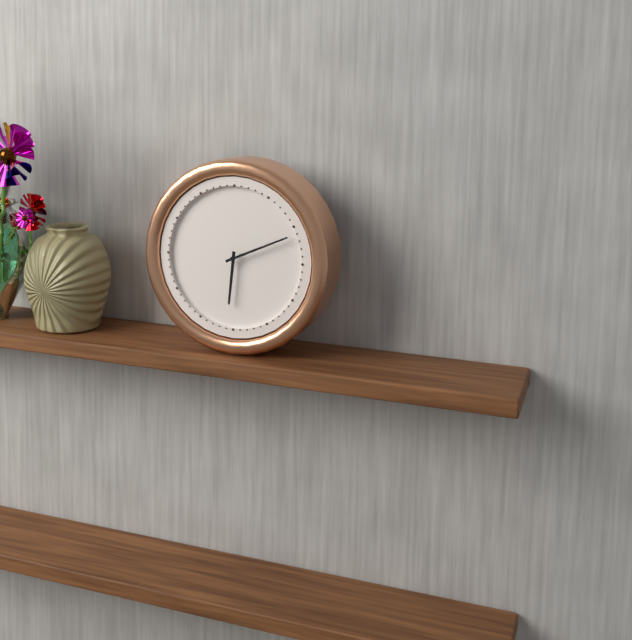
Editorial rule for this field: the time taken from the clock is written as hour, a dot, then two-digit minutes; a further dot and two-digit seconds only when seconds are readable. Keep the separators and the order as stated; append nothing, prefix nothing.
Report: 6.11
